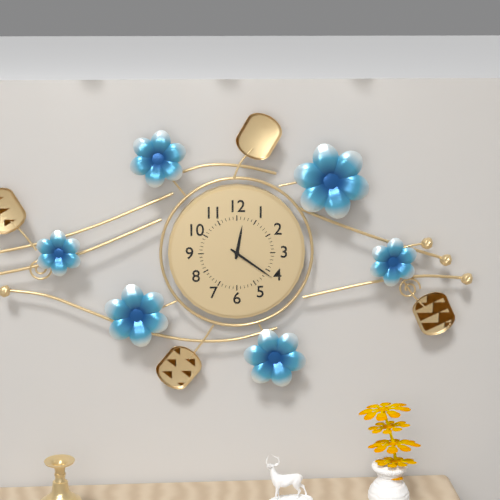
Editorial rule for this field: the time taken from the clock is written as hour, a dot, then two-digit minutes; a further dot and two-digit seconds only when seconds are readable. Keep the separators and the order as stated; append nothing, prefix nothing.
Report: 12.21
